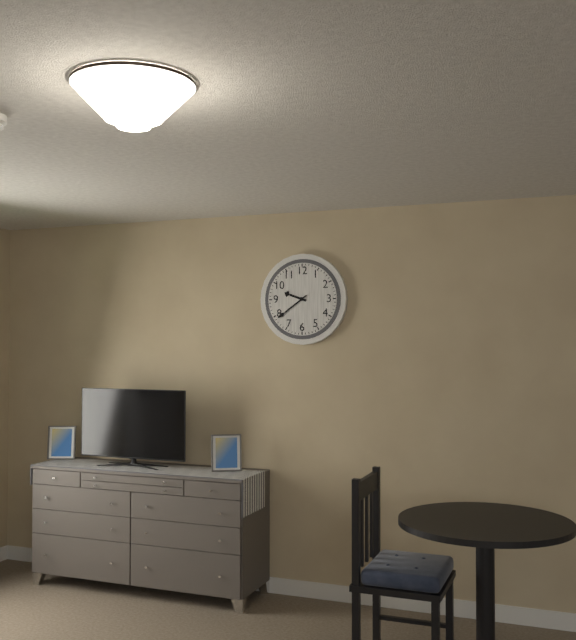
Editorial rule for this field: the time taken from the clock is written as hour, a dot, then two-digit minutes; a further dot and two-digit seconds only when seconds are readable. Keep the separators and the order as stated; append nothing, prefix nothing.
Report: 9.39
